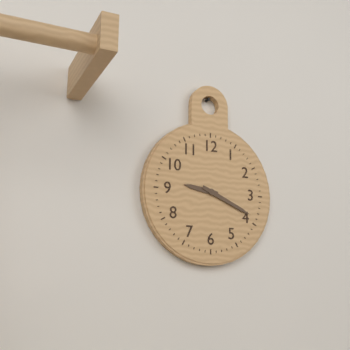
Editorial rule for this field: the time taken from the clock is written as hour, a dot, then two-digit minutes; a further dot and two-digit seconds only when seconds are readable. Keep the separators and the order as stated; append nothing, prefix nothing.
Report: 9.19
